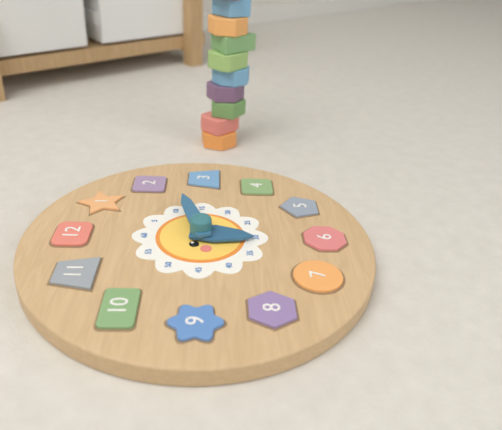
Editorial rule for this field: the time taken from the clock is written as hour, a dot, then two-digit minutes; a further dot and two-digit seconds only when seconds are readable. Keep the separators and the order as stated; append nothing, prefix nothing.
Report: 6.12
